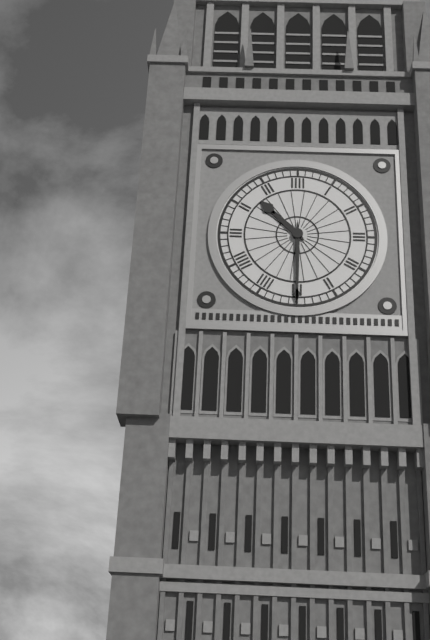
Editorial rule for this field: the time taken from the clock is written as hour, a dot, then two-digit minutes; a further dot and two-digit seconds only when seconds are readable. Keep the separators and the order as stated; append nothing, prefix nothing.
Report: 10.30
